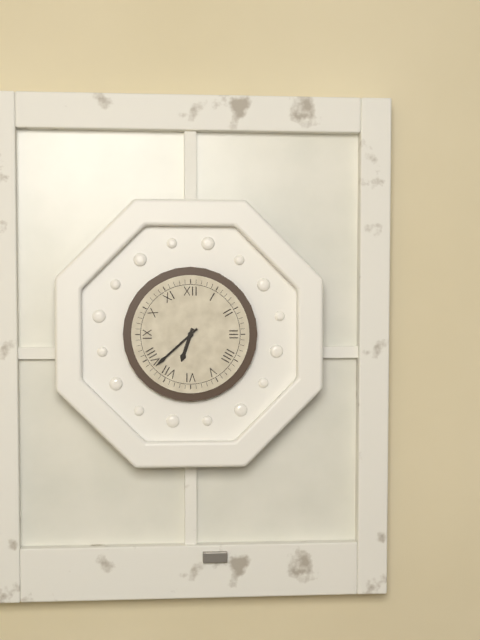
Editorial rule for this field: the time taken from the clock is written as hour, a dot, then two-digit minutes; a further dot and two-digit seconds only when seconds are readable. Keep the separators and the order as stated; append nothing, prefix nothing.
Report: 6.38
